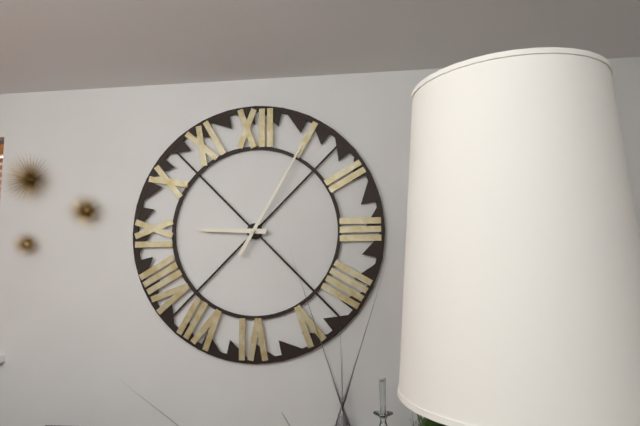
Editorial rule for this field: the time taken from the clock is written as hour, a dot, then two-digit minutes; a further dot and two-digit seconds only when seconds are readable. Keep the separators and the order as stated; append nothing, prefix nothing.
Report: 9.05
